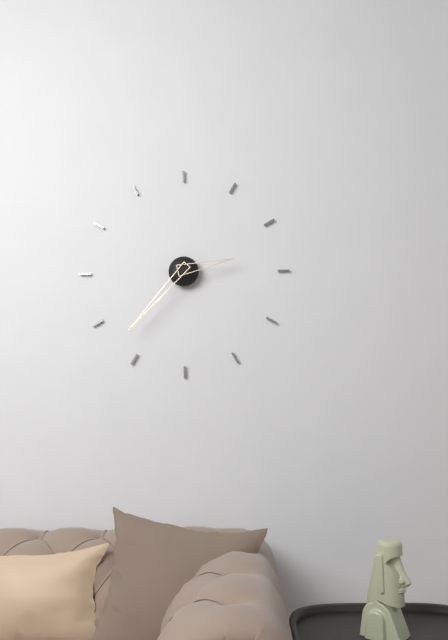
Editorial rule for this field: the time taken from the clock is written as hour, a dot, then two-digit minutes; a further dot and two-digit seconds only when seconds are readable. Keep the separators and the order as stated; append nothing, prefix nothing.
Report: 2.37
